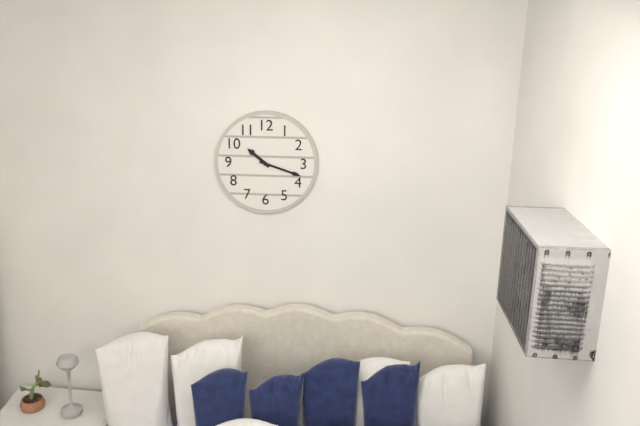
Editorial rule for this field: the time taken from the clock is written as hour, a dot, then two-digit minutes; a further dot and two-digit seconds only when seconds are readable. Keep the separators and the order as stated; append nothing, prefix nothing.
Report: 10.18
